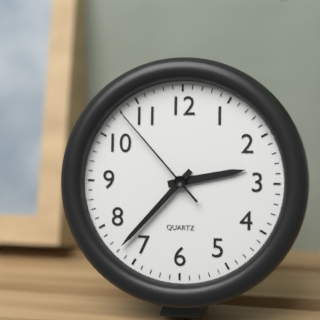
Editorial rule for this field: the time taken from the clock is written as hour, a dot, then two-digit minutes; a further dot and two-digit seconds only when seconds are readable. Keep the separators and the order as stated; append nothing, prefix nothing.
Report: 2.37.53
